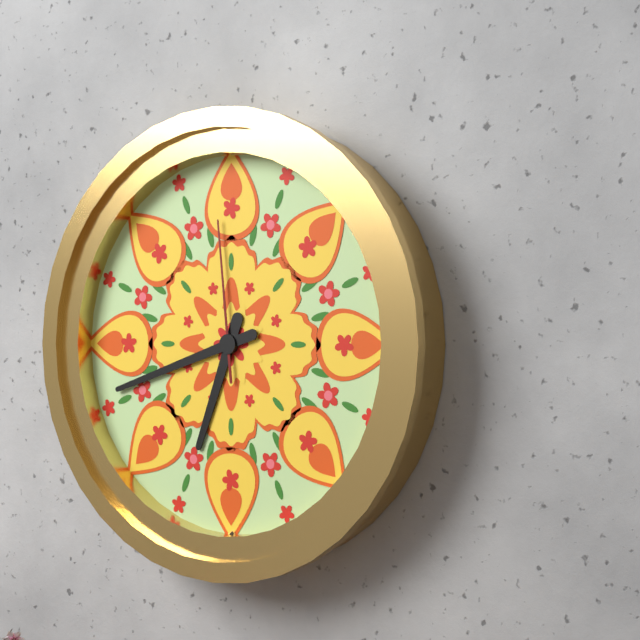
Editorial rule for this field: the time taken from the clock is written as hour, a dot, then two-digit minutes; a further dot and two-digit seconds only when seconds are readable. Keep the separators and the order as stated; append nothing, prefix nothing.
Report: 6.42.59
